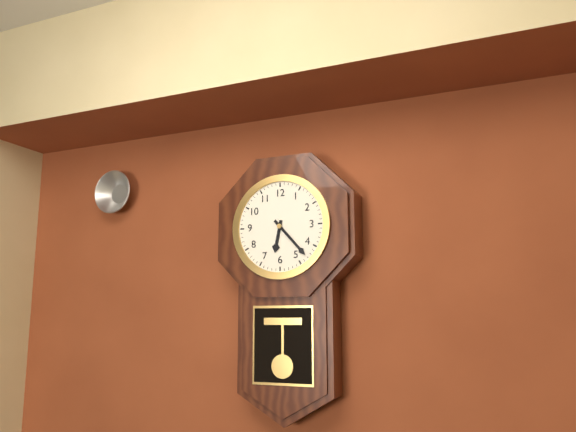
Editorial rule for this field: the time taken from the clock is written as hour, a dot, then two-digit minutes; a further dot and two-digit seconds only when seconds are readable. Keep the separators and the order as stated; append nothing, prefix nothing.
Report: 6.23
